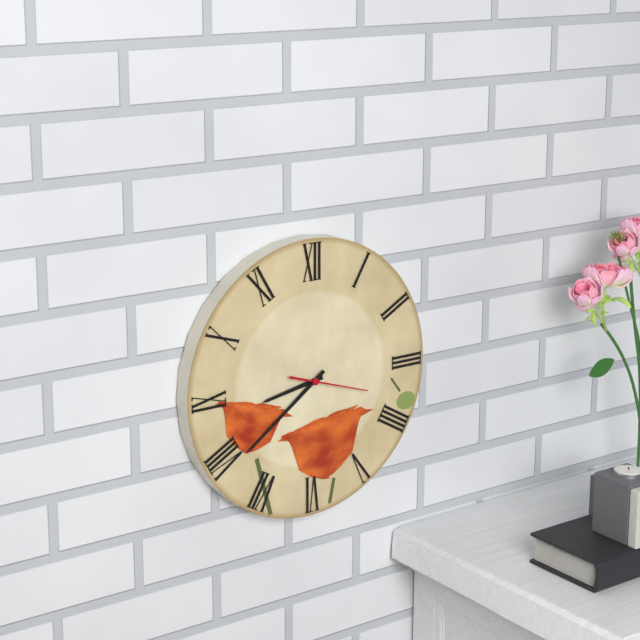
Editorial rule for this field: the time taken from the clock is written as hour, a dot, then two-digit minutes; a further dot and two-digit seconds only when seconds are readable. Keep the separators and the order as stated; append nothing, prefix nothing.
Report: 8.39.18
